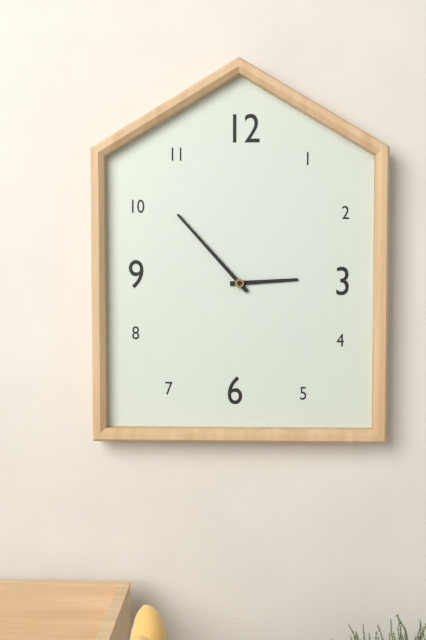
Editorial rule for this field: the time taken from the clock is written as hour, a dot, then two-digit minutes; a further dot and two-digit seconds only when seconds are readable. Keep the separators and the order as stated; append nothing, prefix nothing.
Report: 2.53
